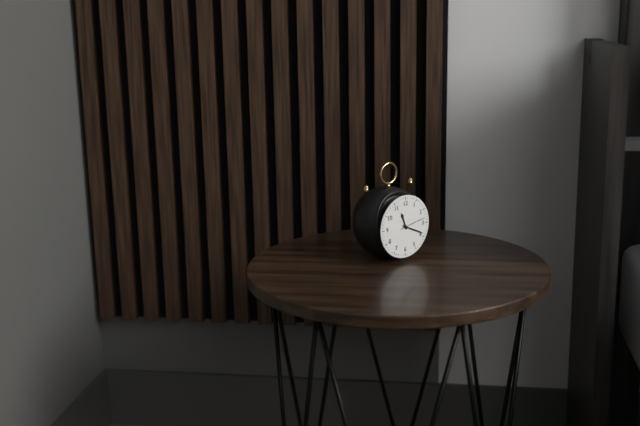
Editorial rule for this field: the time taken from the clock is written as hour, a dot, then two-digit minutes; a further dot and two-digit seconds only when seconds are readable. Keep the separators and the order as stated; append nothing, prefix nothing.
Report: 11.19
